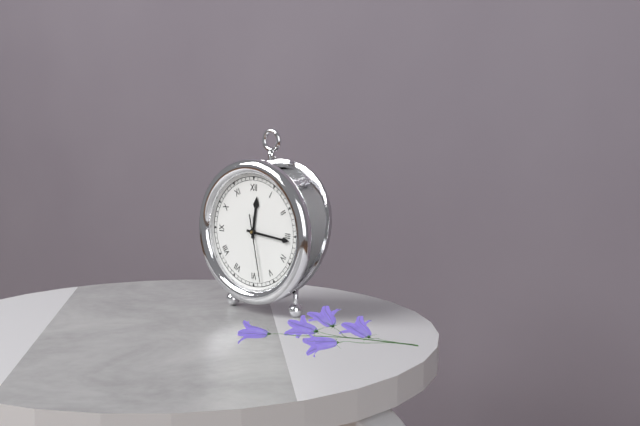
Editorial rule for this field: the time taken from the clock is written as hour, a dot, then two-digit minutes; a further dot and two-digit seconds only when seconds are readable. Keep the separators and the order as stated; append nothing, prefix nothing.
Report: 12.16.28
